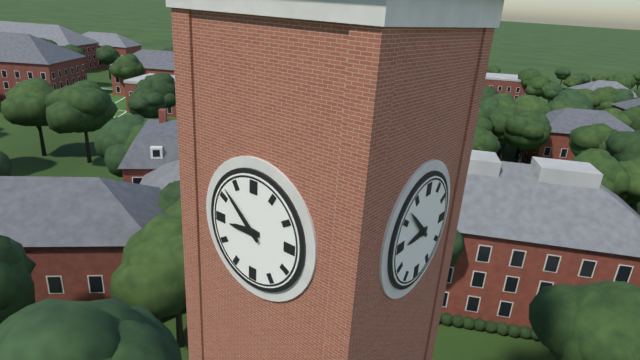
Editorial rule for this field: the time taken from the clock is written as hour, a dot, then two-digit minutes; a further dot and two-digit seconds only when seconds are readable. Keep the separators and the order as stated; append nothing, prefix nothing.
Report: 8.52
